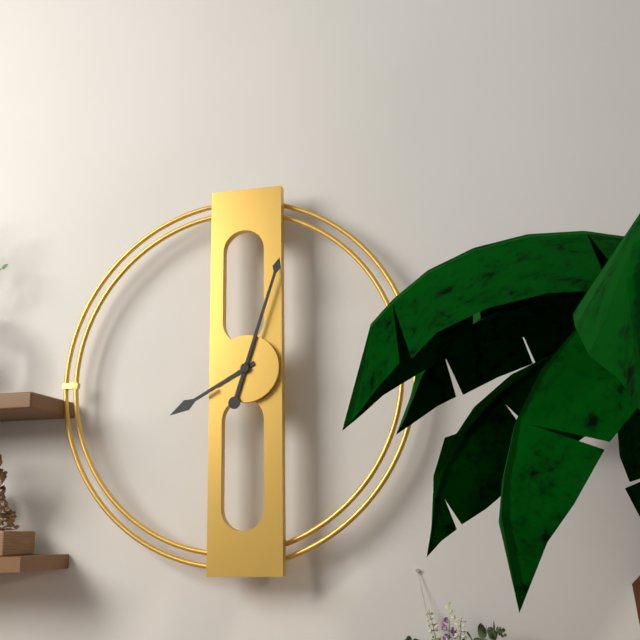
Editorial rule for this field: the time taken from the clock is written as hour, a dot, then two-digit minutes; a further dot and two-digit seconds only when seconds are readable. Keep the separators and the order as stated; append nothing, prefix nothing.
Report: 8.03
